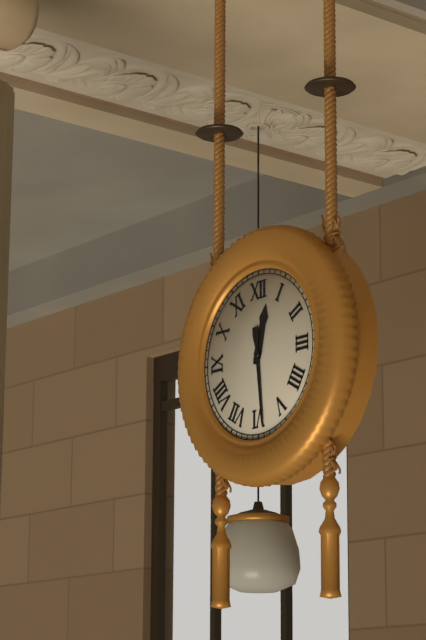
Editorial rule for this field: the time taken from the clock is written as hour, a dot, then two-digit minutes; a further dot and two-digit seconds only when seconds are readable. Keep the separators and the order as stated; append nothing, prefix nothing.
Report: 12.29
